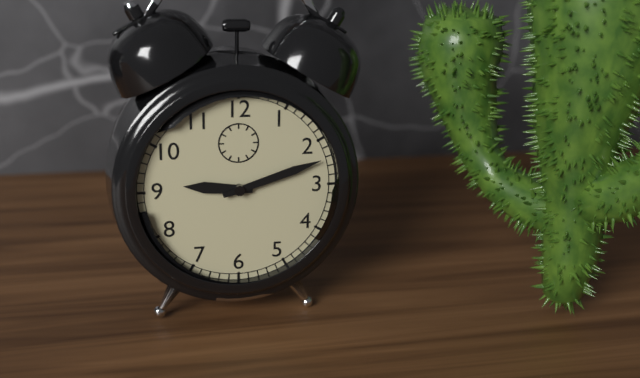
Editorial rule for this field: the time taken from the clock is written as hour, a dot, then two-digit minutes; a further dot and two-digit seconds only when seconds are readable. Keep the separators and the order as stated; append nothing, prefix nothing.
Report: 9.12
